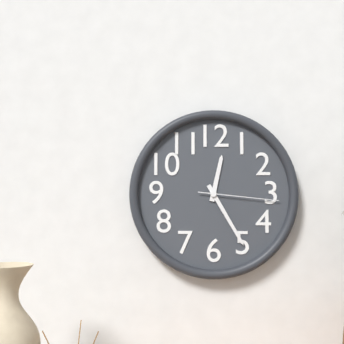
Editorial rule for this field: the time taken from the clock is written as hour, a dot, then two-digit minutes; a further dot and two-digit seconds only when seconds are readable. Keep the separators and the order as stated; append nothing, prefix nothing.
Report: 12.25.16
